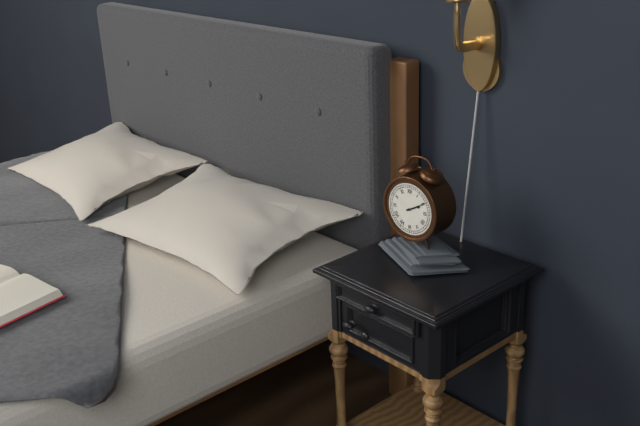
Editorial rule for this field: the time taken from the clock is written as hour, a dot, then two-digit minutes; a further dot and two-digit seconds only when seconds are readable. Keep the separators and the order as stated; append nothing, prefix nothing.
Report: 2.10
